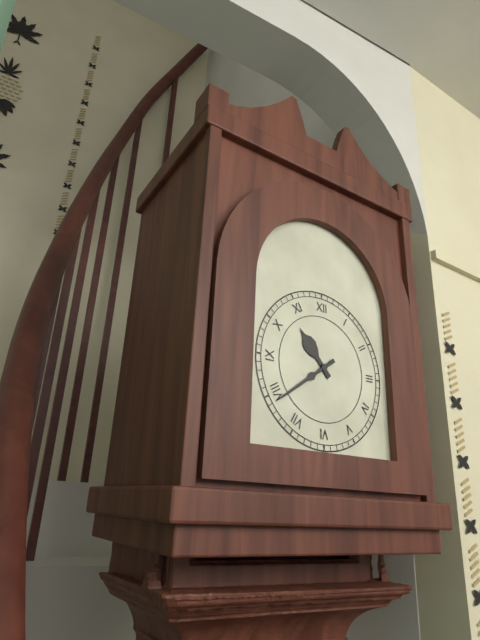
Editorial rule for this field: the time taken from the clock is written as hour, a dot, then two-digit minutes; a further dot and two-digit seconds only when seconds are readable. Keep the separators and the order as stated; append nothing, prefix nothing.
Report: 10.39
